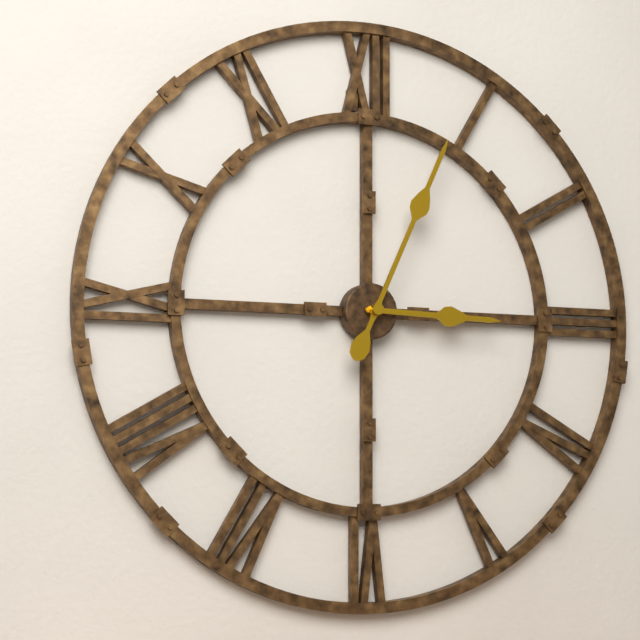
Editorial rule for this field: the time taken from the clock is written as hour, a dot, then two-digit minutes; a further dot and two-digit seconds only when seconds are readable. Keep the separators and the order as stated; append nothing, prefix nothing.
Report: 3.04
